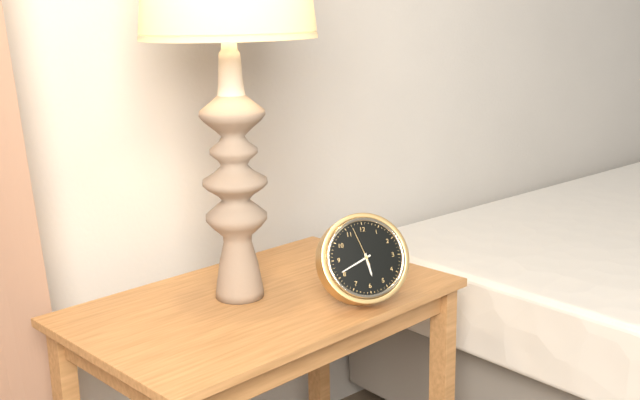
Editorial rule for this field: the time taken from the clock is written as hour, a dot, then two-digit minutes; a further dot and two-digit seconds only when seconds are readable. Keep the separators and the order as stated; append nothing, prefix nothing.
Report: 5.41
